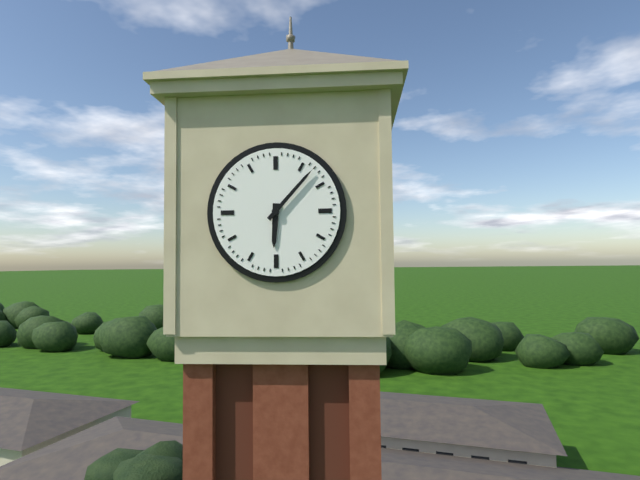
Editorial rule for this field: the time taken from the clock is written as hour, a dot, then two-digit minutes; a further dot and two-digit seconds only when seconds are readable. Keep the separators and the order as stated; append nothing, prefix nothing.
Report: 6.07
